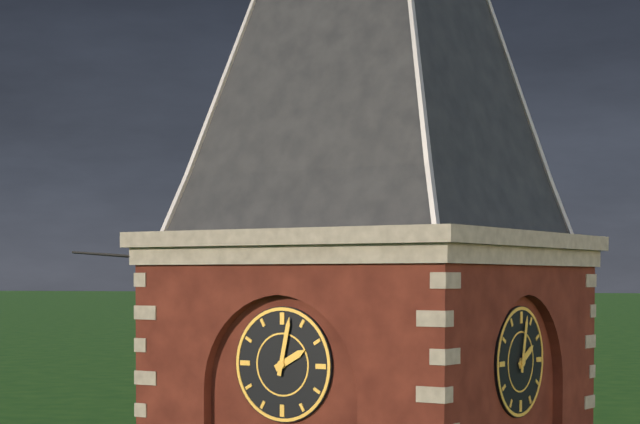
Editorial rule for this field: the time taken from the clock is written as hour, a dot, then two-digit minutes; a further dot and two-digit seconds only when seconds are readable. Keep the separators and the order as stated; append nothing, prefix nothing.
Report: 2.02
